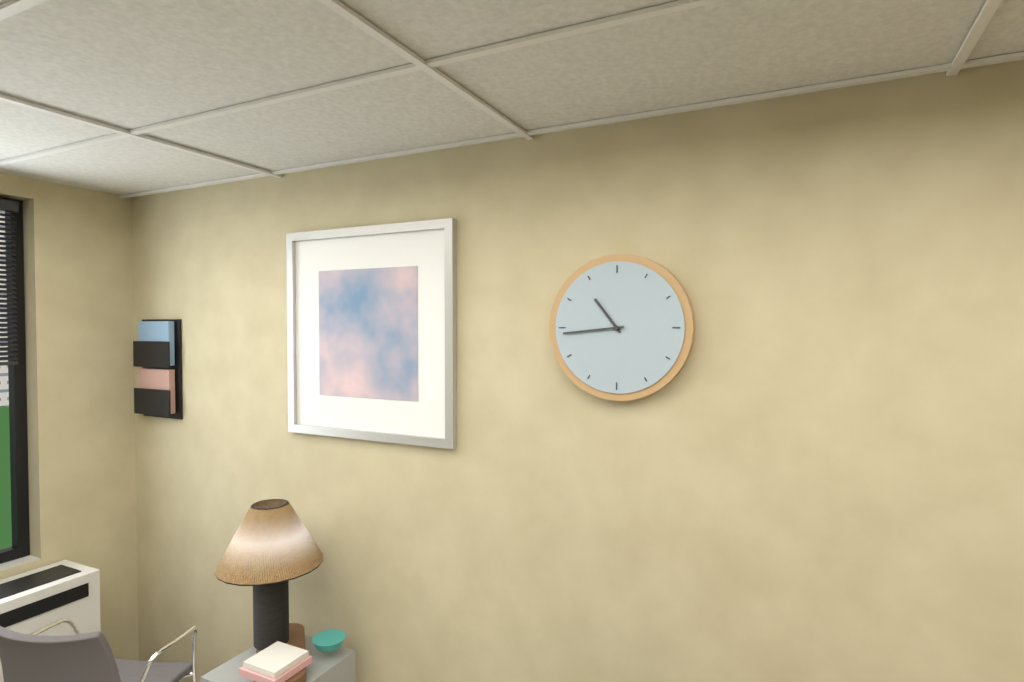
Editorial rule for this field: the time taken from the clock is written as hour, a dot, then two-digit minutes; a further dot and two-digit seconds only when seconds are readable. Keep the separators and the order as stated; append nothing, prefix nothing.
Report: 10.44
